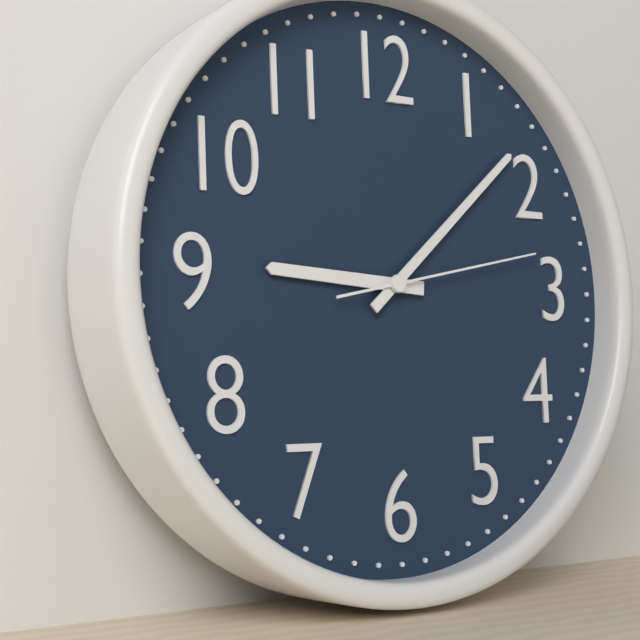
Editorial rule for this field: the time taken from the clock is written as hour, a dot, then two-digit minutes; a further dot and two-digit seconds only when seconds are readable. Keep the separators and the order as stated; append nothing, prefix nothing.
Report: 9.08.13
